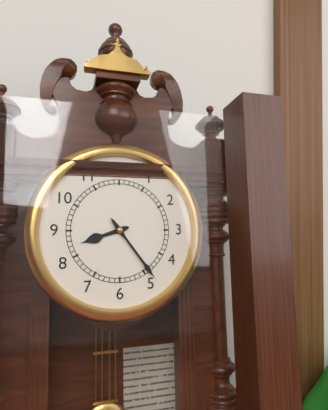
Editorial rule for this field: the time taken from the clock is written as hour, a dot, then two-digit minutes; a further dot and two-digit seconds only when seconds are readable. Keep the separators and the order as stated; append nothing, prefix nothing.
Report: 8.24
